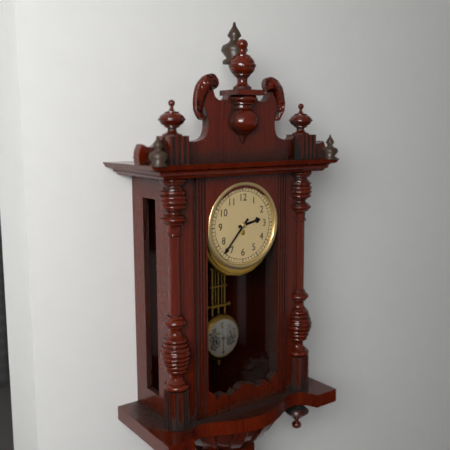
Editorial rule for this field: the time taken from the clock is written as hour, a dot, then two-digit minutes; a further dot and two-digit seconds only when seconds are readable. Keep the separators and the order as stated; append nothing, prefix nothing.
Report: 2.37
